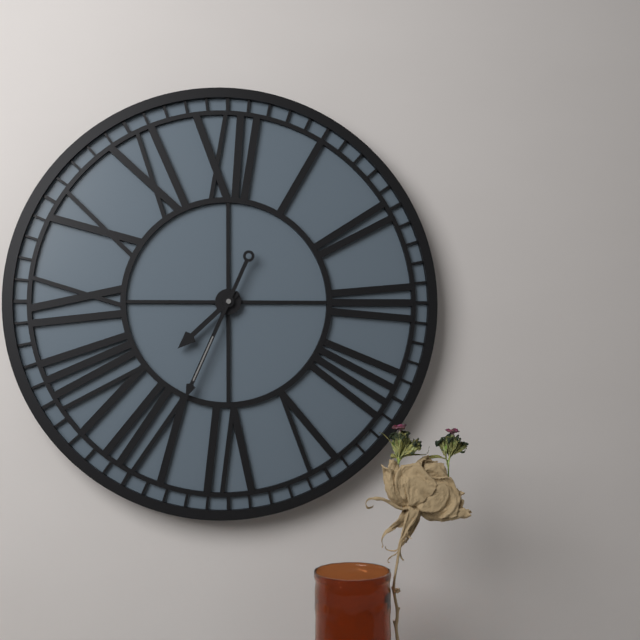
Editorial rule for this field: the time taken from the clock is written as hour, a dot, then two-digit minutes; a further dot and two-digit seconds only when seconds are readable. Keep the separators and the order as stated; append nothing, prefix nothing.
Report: 7.34
